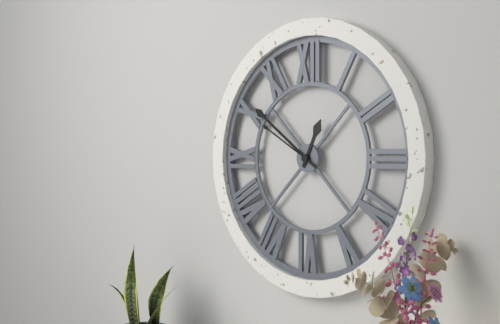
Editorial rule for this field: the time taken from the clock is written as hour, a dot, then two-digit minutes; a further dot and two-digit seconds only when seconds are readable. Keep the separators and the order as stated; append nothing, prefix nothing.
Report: 12.51.50
